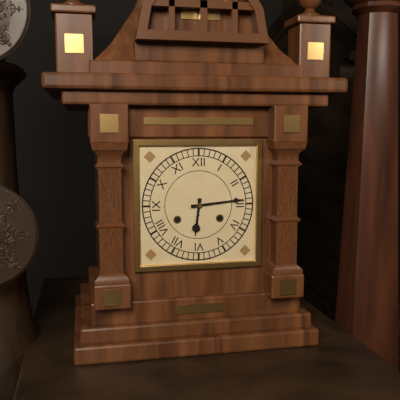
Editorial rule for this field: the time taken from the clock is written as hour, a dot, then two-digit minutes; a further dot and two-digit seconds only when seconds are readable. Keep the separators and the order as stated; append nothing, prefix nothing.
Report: 6.14
